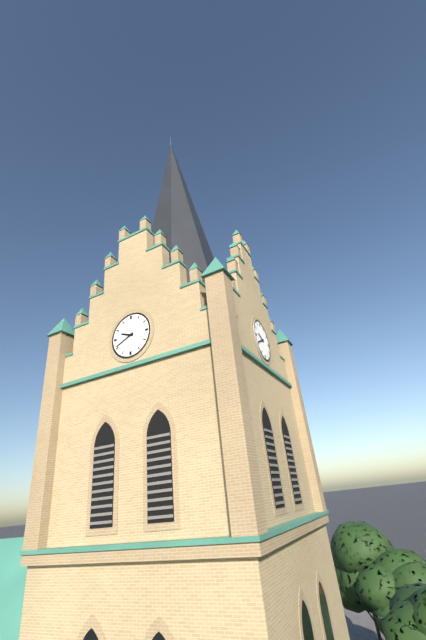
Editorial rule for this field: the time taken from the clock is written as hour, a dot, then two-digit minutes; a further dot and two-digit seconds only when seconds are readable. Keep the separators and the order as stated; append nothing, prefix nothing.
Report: 9.41
